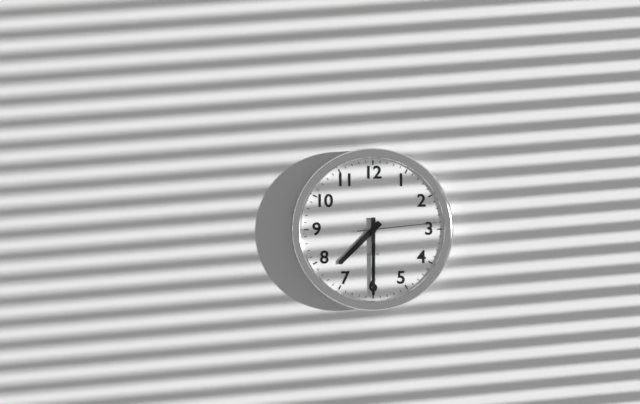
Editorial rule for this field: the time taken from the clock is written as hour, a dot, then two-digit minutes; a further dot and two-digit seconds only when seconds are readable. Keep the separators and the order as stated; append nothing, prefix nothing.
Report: 7.30.14
